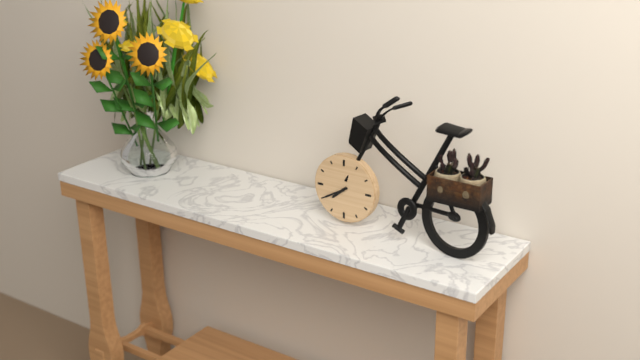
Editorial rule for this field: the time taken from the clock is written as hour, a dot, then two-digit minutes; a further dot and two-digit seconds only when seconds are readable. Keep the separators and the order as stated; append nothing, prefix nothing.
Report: 7.40
